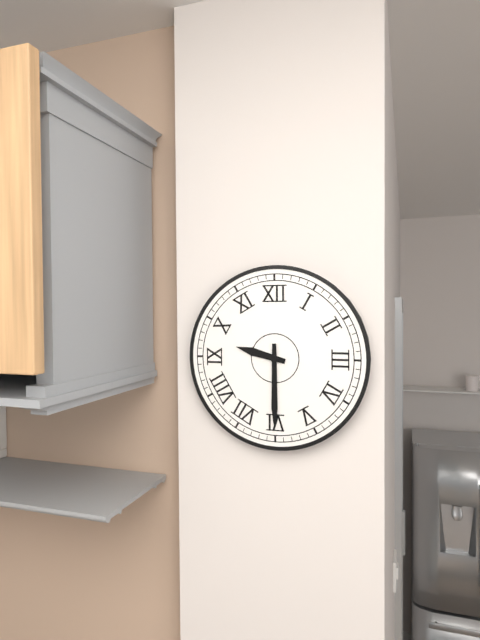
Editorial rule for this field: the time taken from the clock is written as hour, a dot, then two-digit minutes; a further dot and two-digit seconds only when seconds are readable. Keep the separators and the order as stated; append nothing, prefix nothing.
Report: 9.30
